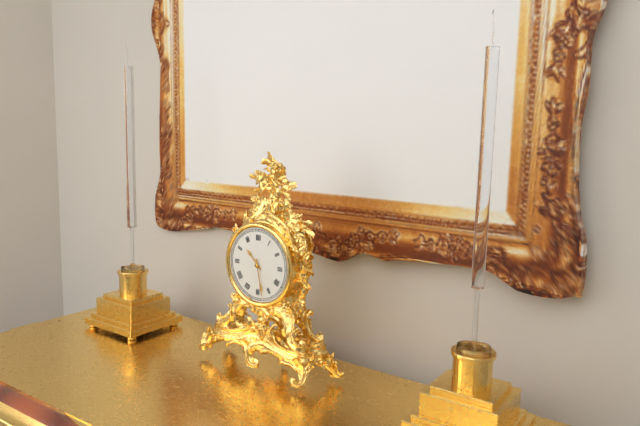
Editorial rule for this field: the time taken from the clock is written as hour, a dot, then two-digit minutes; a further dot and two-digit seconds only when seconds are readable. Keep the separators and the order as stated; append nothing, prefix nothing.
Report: 10.28
